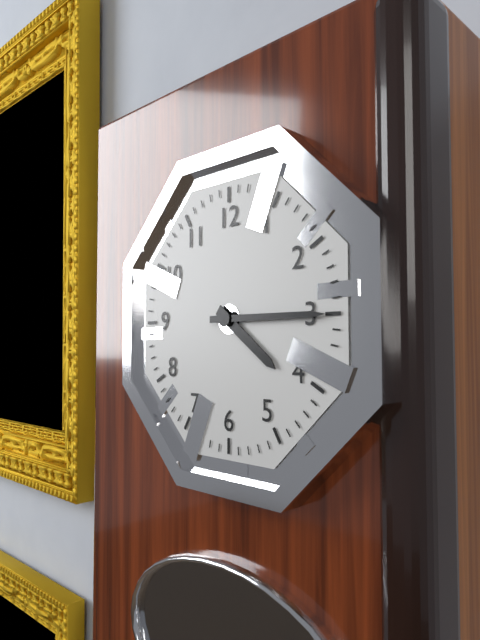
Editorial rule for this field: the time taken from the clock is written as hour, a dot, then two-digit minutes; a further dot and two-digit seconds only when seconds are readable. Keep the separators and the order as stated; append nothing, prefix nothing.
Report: 4.15
